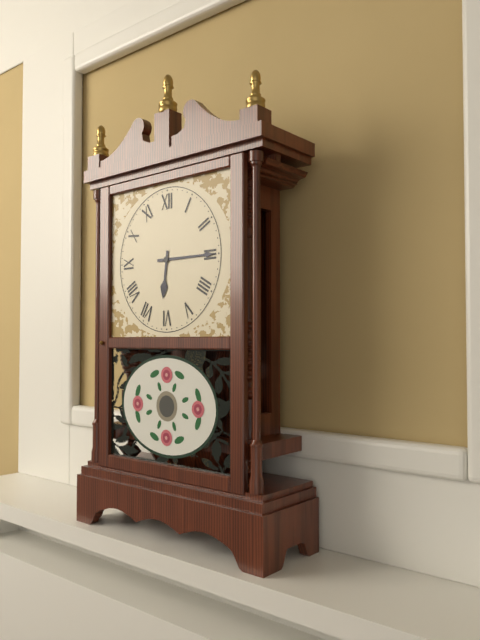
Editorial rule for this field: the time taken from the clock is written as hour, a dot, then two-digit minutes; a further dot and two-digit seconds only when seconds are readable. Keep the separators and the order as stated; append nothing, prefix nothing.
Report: 6.15
